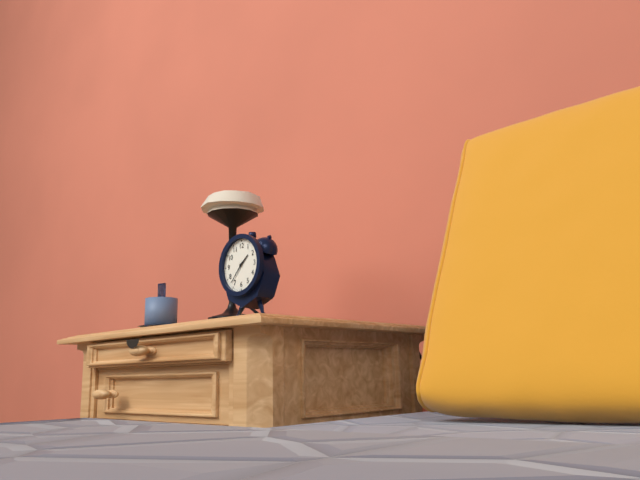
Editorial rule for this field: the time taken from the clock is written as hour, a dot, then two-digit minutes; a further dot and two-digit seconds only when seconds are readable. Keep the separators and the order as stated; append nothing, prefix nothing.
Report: 1.37
